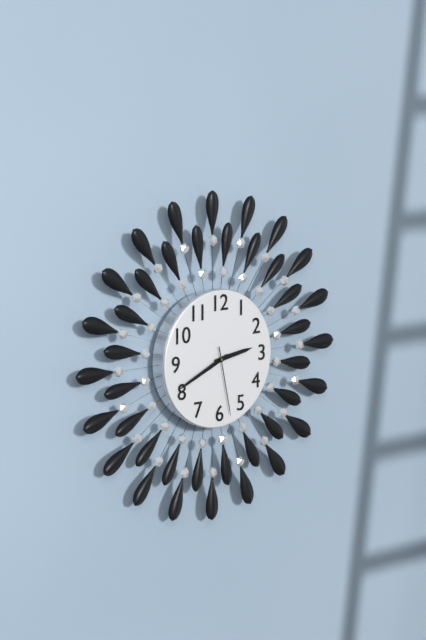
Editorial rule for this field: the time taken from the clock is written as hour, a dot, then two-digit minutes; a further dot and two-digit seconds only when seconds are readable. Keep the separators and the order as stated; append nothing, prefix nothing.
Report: 2.41.28
